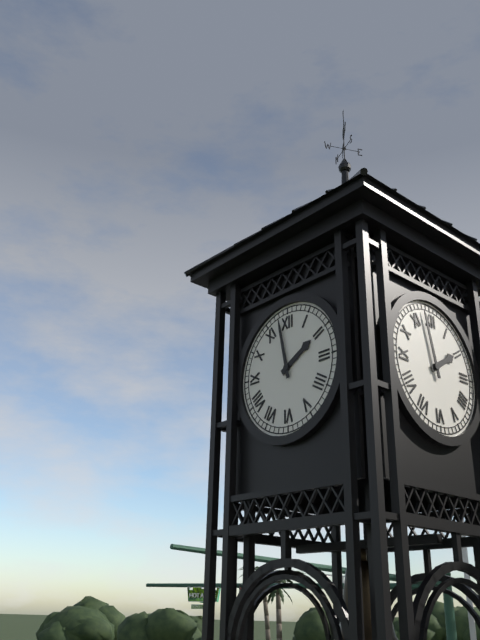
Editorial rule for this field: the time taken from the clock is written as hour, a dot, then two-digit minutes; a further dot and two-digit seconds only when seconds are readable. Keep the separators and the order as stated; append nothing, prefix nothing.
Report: 1.58
